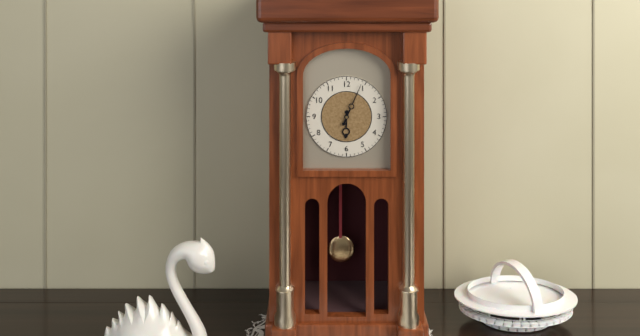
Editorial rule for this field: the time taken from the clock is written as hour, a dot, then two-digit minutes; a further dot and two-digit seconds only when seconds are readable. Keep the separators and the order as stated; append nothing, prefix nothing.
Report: 6.04
